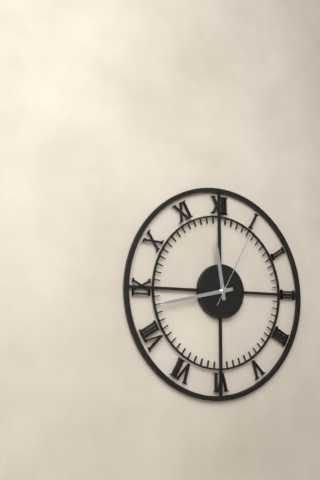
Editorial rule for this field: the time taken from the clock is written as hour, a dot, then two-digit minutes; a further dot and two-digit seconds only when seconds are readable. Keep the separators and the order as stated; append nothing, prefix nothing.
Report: 11.43.05
